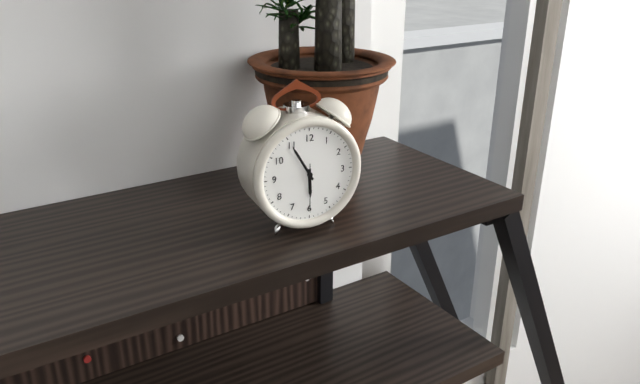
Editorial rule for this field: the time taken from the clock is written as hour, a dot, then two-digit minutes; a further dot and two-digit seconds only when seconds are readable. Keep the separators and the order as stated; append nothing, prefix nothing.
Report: 5.55
